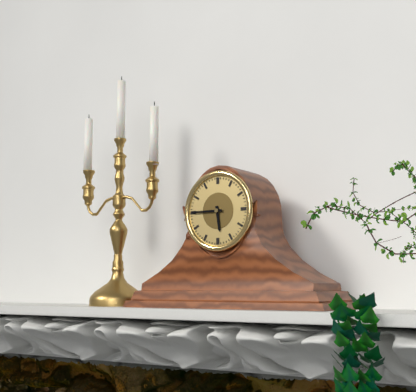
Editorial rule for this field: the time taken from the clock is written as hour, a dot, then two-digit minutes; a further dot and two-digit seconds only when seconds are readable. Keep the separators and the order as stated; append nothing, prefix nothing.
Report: 5.45
